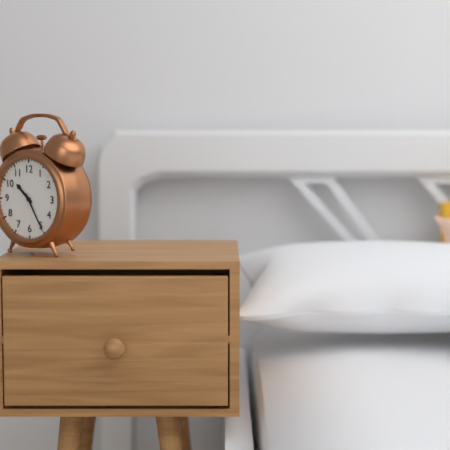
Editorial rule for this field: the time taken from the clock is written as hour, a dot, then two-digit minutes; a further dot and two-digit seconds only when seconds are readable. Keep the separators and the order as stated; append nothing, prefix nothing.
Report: 10.25
